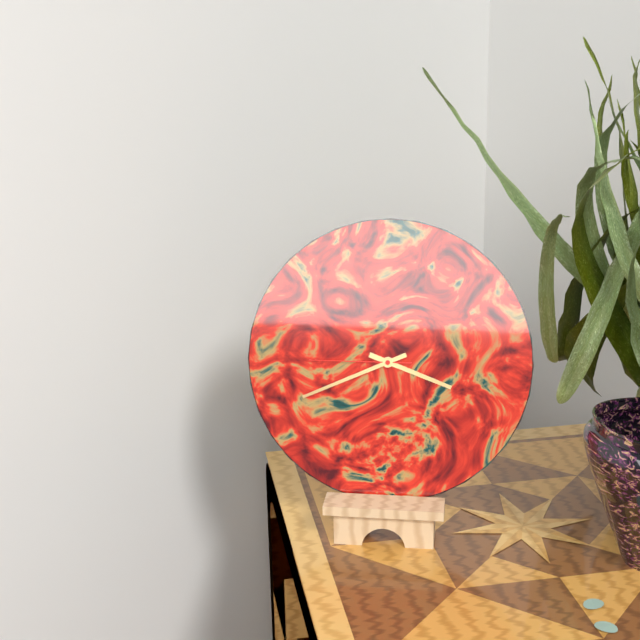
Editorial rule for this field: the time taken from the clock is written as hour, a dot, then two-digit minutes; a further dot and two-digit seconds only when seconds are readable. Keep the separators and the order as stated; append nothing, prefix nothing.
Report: 3.41.45
